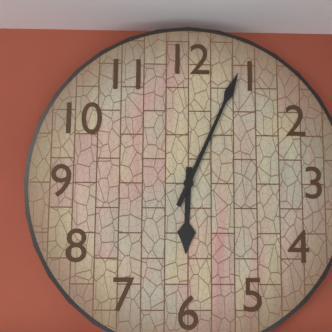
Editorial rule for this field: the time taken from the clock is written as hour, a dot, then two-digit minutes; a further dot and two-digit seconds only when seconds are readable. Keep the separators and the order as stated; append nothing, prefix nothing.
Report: 6.04
